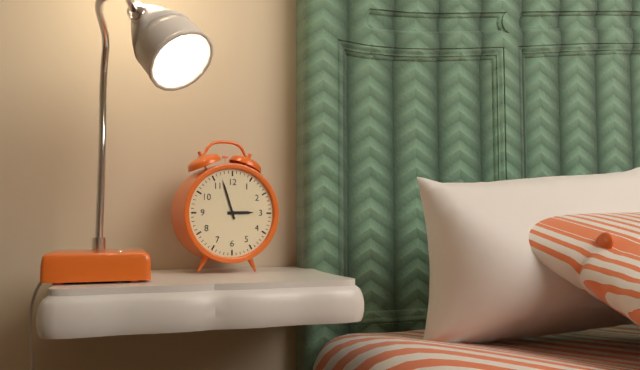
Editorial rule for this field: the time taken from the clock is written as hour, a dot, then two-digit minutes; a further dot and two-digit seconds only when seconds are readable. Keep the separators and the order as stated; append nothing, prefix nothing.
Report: 2.57
